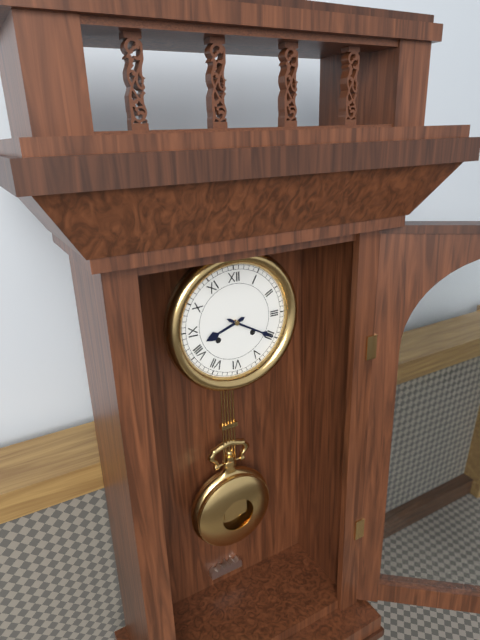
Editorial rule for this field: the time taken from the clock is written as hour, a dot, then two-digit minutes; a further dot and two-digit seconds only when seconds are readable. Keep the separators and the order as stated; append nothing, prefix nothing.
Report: 8.20
